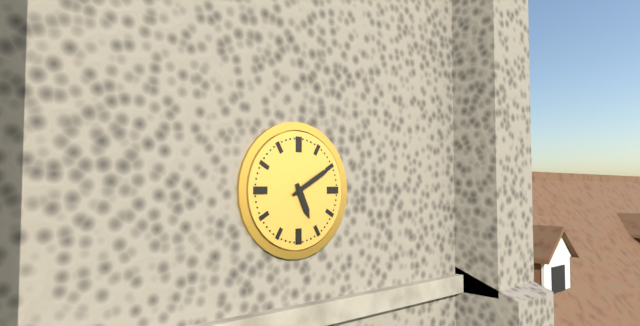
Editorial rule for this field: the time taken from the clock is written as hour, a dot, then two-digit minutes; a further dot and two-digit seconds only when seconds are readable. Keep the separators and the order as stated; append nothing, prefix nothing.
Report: 5.10
